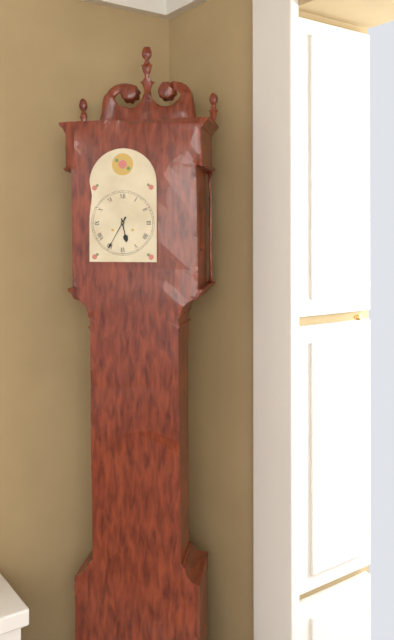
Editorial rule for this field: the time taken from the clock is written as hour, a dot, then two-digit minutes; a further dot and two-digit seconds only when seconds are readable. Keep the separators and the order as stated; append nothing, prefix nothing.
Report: 5.35
